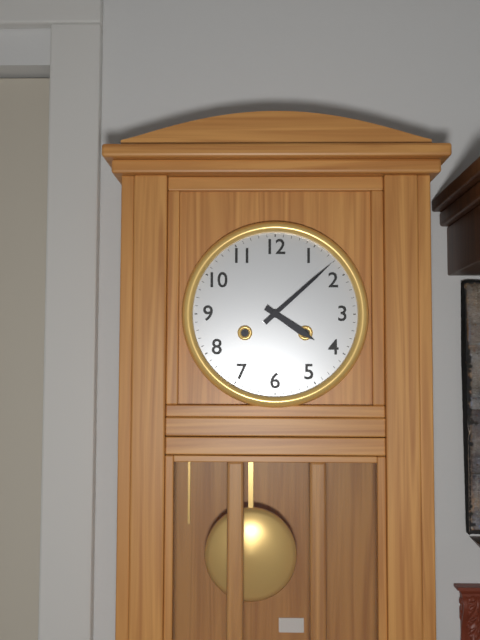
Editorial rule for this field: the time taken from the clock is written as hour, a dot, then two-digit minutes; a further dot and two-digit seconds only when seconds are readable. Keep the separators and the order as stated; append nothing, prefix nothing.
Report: 4.08
